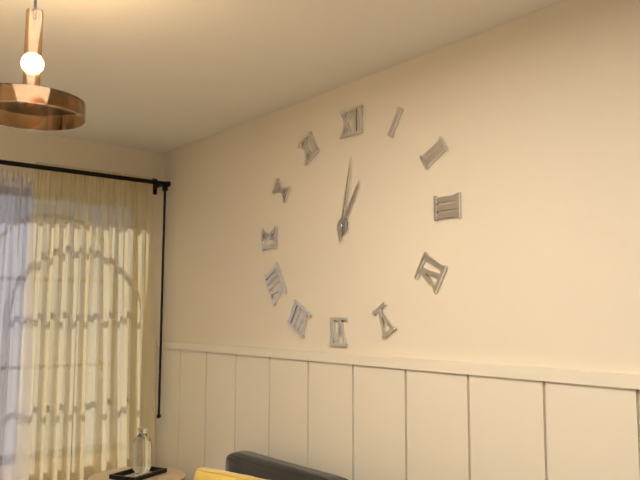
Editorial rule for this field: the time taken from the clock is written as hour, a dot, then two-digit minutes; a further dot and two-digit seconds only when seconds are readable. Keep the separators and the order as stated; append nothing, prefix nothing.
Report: 1.02
